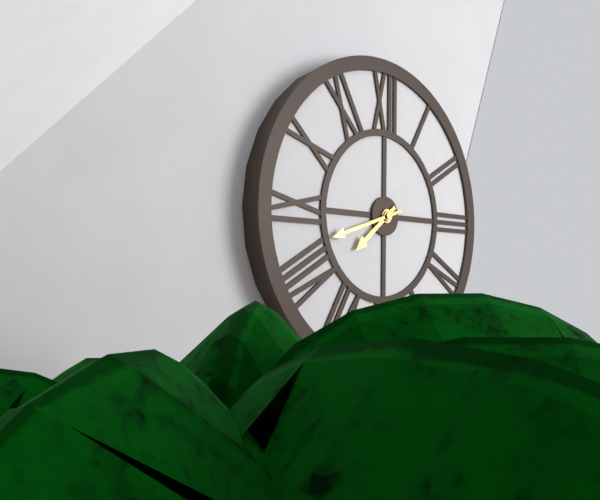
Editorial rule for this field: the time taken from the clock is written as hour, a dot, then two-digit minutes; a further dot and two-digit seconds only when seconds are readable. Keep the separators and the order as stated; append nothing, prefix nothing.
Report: 7.42
